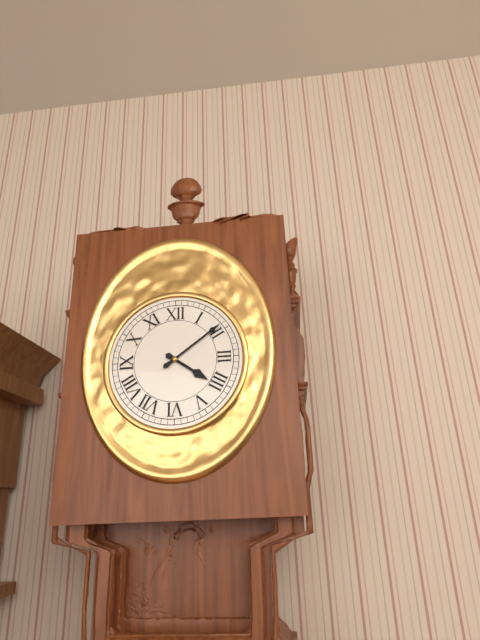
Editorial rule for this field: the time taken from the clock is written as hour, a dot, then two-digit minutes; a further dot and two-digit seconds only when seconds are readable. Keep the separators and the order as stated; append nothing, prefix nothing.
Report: 4.09
